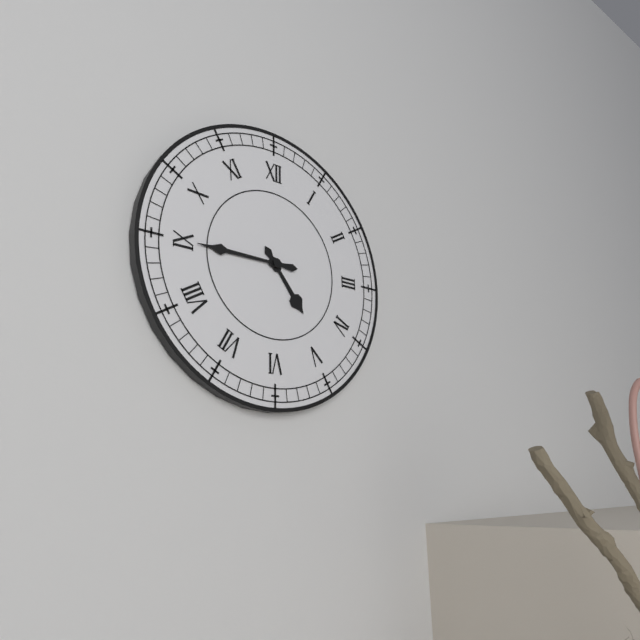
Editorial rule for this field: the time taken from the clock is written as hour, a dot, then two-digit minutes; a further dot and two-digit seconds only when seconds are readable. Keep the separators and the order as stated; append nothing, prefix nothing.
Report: 4.45
